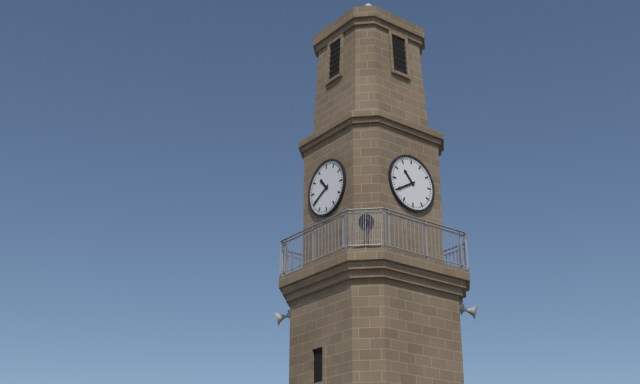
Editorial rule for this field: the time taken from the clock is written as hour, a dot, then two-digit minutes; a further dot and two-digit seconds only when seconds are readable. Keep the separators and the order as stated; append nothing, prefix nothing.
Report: 10.40
